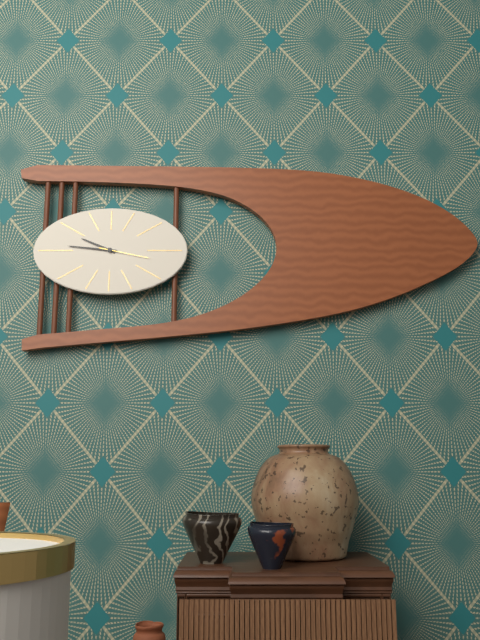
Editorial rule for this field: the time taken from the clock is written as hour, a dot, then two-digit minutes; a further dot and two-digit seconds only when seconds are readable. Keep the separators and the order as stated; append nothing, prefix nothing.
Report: 9.46.17
